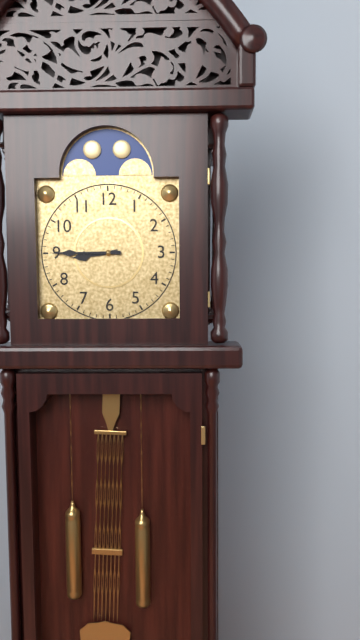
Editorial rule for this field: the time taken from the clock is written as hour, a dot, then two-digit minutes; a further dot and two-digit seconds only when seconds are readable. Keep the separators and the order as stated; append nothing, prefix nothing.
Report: 8.45
